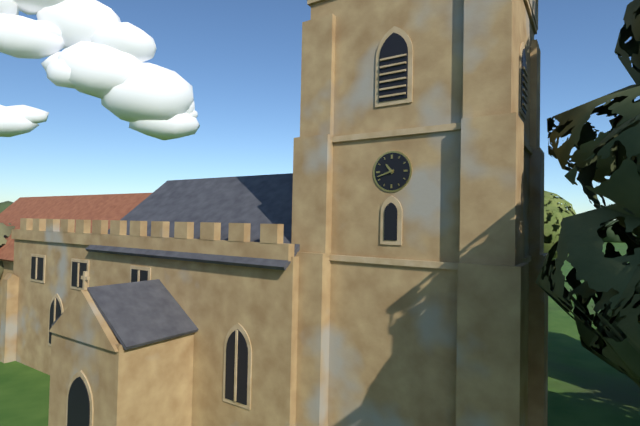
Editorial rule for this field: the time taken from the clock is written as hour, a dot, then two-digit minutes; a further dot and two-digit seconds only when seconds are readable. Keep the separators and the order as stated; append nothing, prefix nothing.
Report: 10.42
